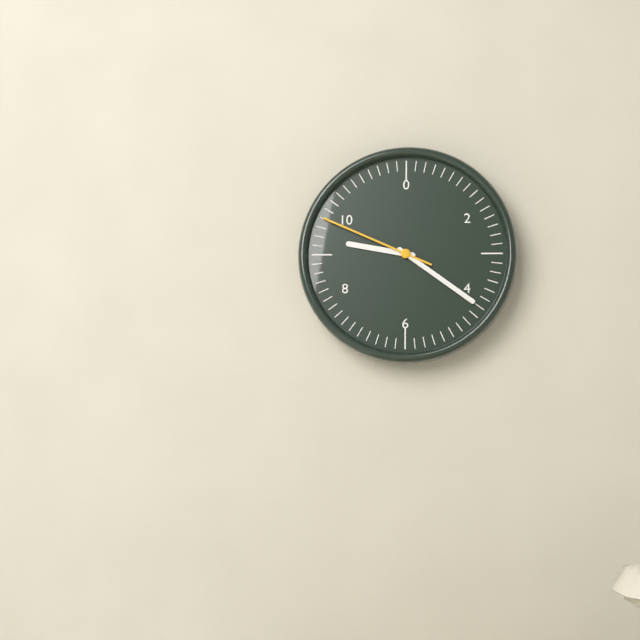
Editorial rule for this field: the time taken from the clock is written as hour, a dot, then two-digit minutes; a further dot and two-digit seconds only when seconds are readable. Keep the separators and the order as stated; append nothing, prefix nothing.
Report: 9.21.49
